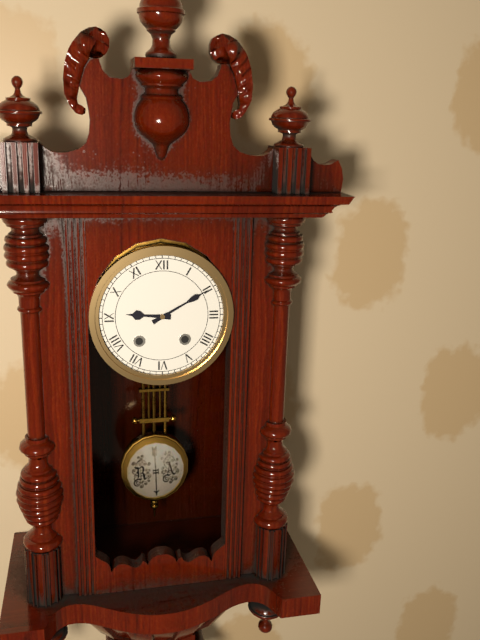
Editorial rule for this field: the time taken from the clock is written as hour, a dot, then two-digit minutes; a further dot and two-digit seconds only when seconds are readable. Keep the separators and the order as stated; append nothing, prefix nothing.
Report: 9.10
